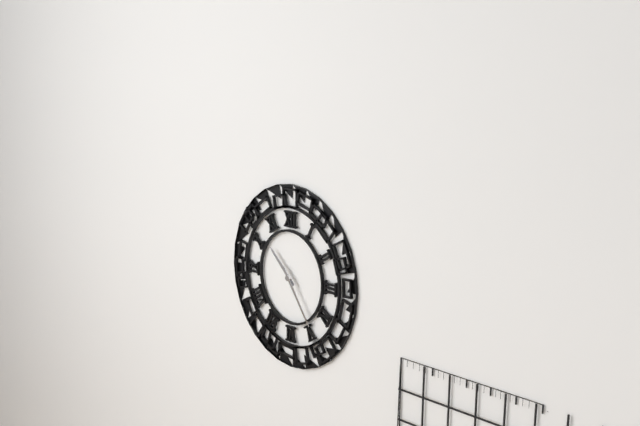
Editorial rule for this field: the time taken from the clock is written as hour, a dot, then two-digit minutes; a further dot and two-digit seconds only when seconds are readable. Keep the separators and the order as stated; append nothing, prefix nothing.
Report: 10.24
